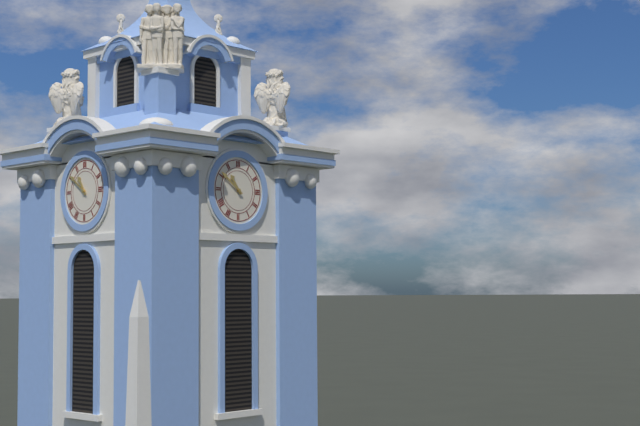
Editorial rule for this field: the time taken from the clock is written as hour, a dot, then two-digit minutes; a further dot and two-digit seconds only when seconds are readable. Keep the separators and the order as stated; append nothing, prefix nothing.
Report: 10.51
